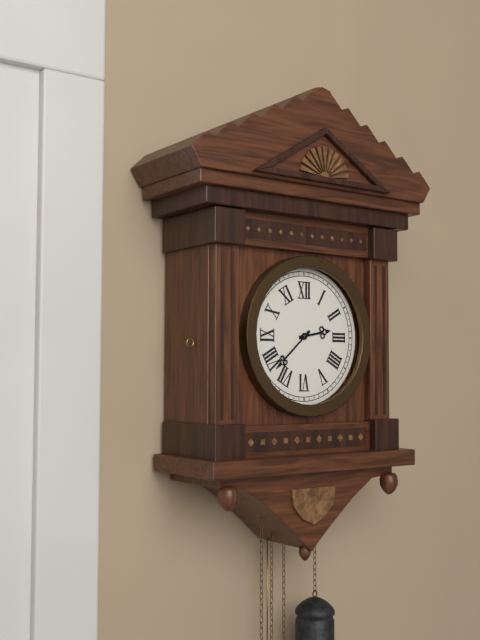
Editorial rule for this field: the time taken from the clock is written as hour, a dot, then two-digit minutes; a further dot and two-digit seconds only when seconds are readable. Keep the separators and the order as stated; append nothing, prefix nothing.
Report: 2.38
